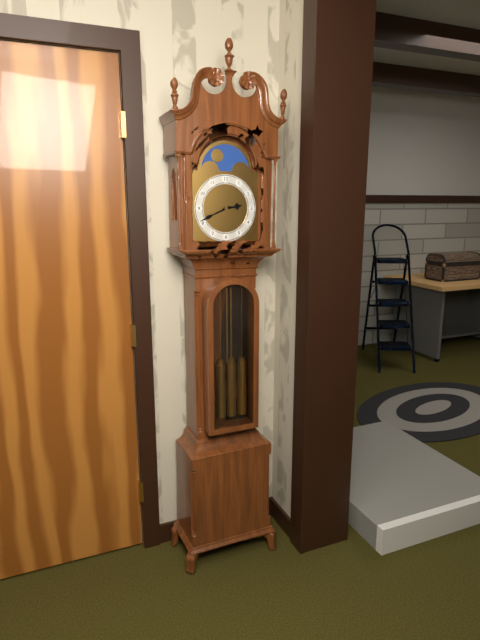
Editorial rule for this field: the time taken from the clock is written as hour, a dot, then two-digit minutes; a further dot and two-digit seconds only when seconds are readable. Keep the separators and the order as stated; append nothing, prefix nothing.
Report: 2.41
